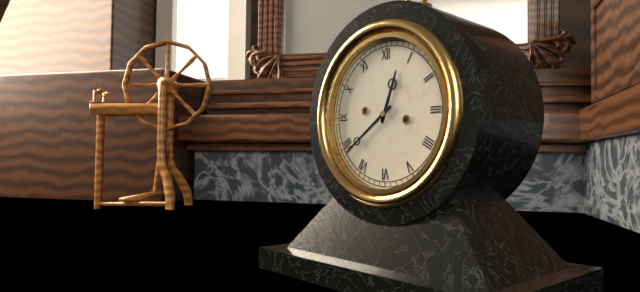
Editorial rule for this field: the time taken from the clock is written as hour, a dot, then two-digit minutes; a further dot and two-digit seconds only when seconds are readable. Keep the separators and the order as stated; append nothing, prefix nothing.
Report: 12.39
